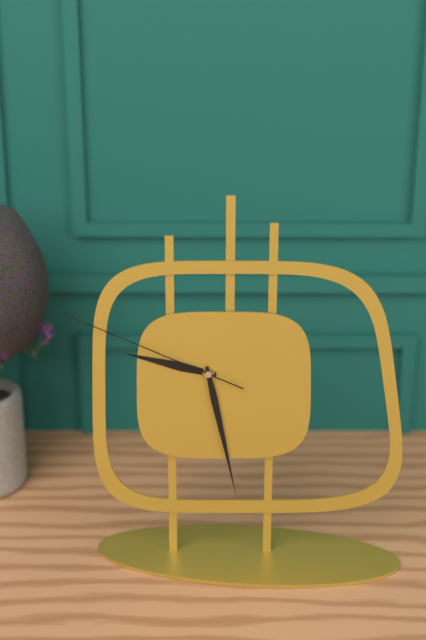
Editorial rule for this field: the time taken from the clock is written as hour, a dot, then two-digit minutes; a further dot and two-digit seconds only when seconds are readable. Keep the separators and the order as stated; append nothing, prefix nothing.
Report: 9.28.49
